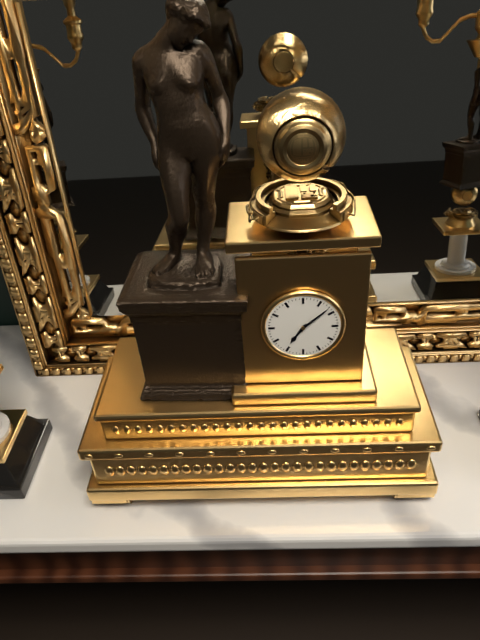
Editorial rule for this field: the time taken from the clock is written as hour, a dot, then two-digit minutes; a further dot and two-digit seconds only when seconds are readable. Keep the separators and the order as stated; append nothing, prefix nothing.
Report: 7.08
